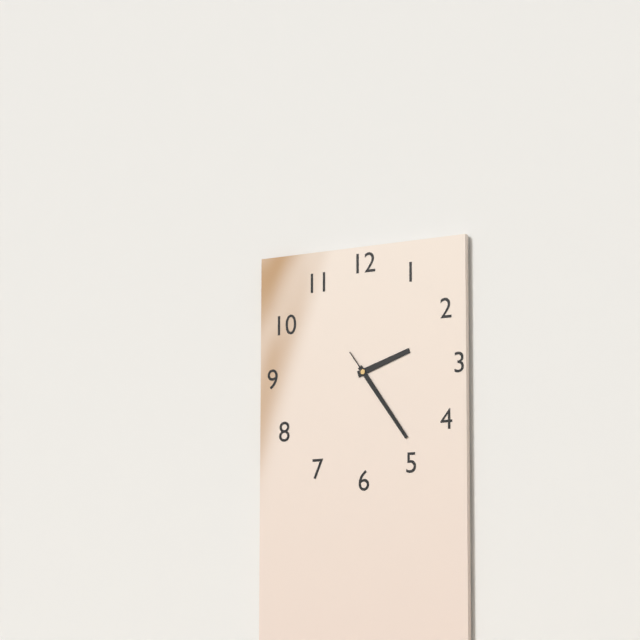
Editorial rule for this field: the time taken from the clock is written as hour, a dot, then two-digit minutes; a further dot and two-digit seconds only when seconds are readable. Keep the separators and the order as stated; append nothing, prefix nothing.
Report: 2.24.24
